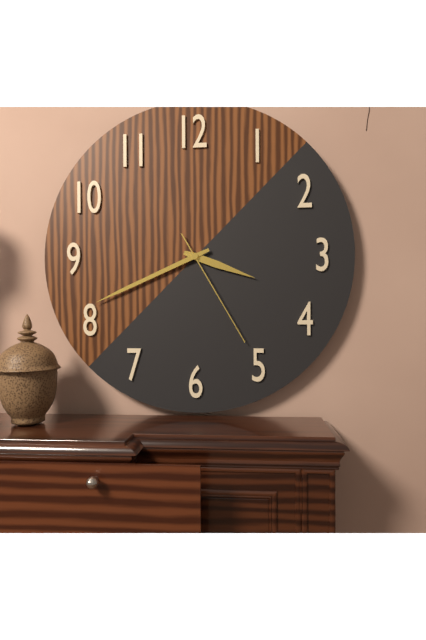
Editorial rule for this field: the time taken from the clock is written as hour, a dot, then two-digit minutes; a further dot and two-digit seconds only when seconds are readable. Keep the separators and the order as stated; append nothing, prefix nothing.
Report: 3.41.25
